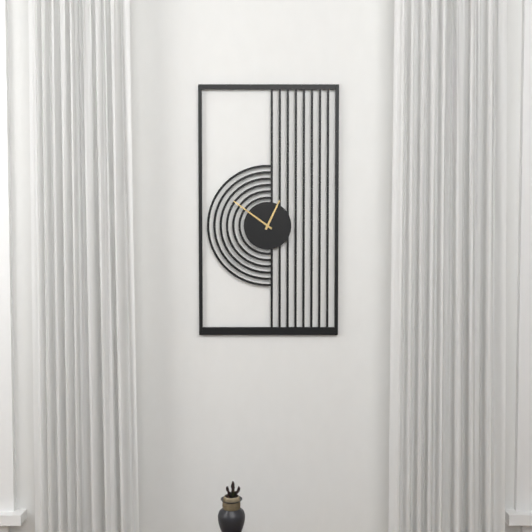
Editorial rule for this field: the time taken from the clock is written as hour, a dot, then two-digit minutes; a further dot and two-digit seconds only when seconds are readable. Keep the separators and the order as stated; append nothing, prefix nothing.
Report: 12.51
